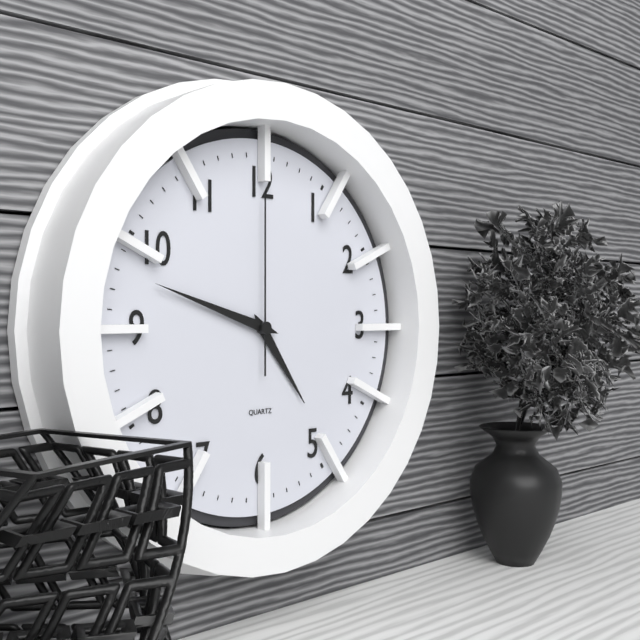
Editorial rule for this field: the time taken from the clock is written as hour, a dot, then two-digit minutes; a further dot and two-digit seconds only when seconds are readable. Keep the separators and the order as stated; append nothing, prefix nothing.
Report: 4.48.00
